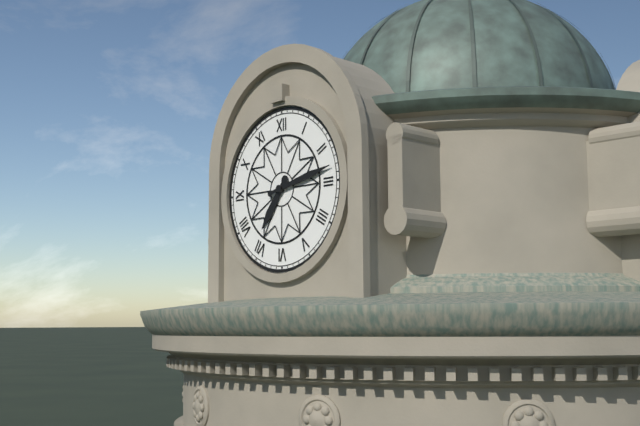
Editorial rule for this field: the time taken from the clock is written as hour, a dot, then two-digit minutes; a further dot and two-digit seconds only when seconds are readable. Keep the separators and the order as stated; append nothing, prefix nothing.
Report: 7.13
